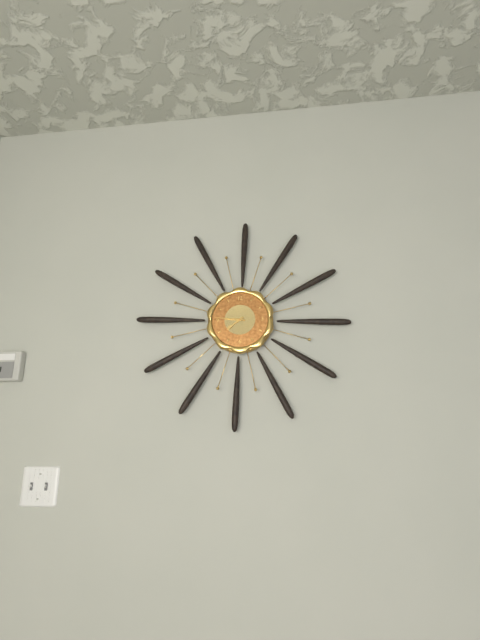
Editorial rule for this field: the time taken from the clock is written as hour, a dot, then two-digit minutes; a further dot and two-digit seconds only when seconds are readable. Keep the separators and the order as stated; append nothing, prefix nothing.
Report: 7.46
